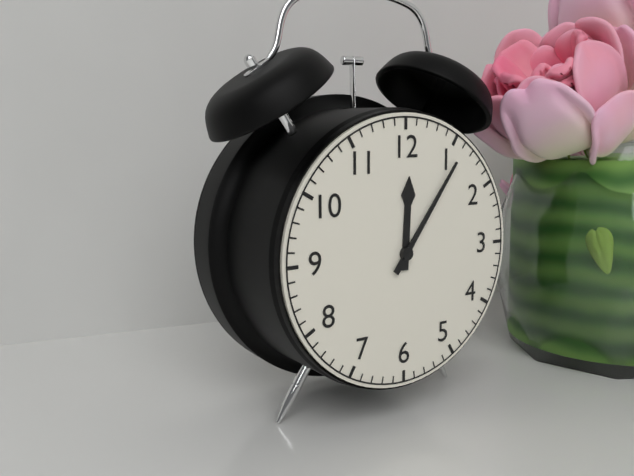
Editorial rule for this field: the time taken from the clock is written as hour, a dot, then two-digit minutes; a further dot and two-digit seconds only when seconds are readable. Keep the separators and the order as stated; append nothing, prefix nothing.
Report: 12.06
